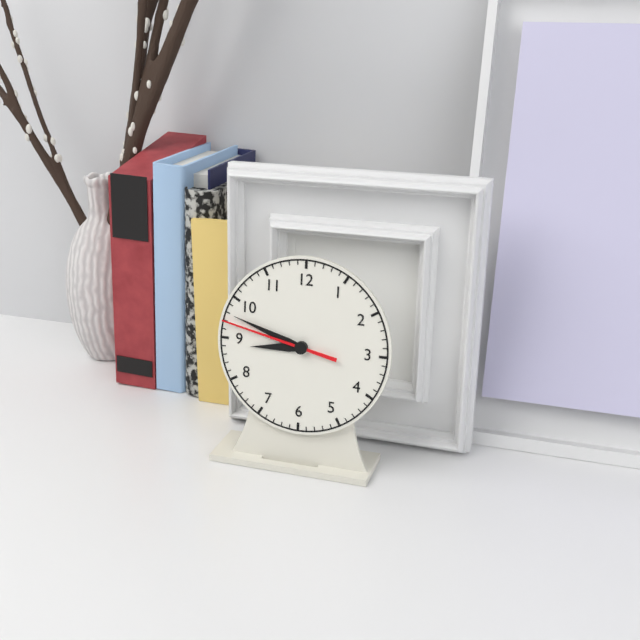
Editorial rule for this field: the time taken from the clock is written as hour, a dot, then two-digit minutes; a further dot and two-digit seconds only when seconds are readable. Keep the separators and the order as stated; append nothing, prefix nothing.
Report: 8.48.47
